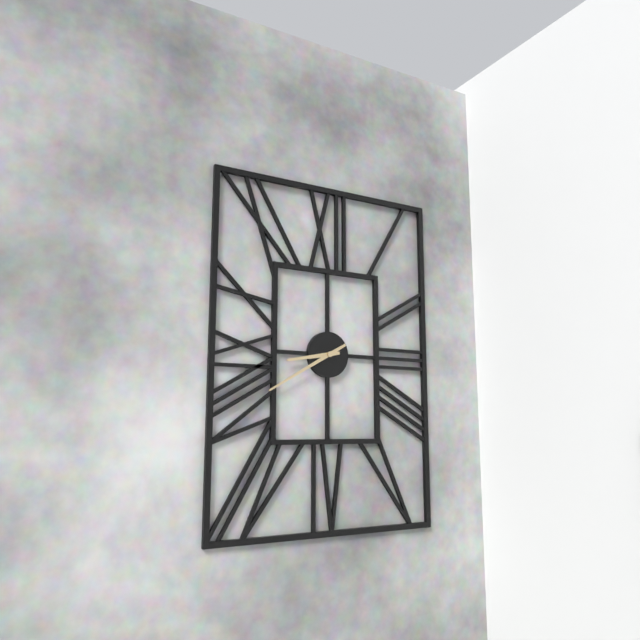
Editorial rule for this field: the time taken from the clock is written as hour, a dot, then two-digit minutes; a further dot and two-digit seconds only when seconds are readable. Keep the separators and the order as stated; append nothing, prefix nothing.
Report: 8.40
